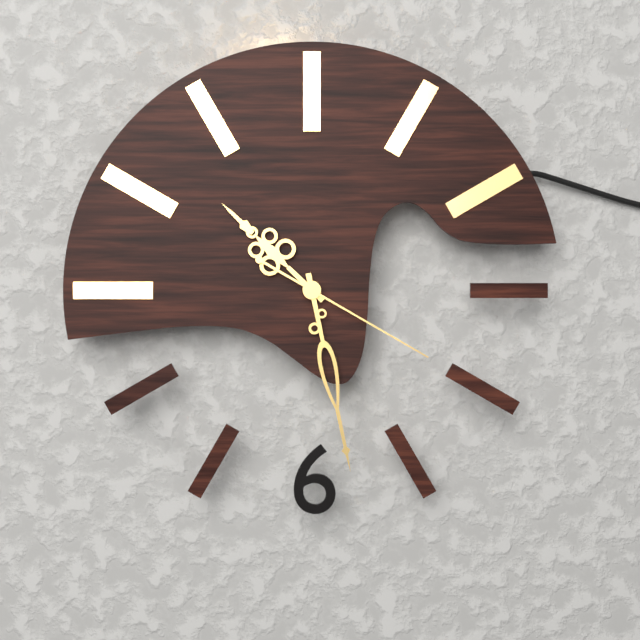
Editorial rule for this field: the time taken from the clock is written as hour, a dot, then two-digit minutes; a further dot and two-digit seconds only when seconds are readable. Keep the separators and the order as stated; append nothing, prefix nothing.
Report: 10.28.20
